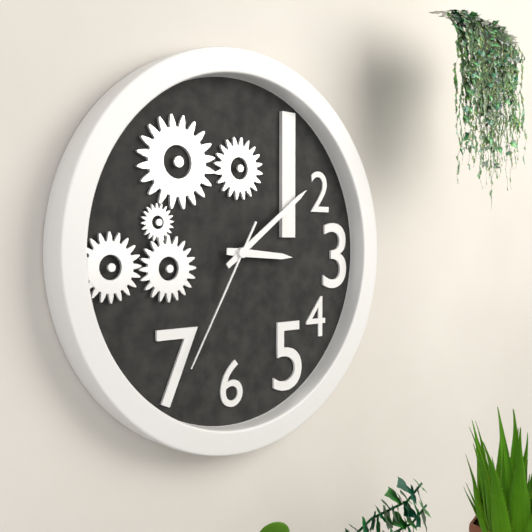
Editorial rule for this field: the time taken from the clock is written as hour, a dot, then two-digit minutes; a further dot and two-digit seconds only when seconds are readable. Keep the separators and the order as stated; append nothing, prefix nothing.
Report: 3.09.35
